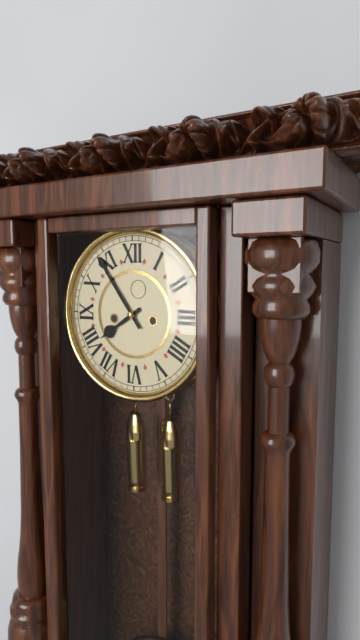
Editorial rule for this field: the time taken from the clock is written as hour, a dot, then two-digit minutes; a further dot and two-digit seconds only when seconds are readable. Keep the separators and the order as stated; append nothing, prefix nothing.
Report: 7.54
